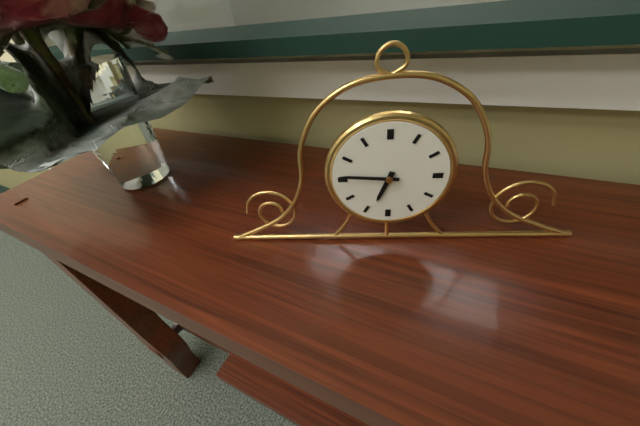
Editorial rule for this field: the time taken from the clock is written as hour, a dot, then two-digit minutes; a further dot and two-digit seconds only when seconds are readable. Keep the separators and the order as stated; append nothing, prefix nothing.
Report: 6.46
